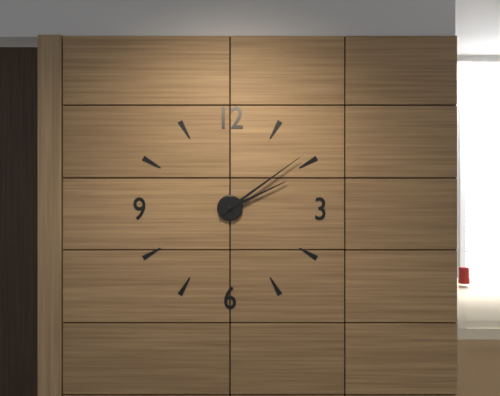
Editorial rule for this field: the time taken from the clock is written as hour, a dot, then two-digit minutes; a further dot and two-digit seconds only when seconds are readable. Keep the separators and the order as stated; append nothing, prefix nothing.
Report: 2.09
